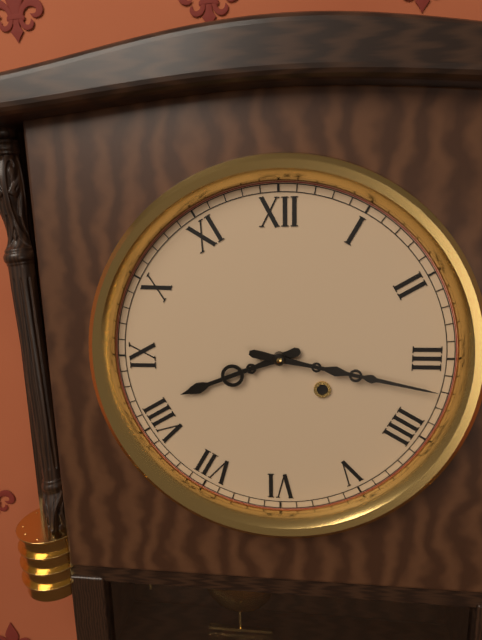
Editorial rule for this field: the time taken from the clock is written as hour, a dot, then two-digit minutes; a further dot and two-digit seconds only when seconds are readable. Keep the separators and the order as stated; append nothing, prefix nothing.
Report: 8.17
